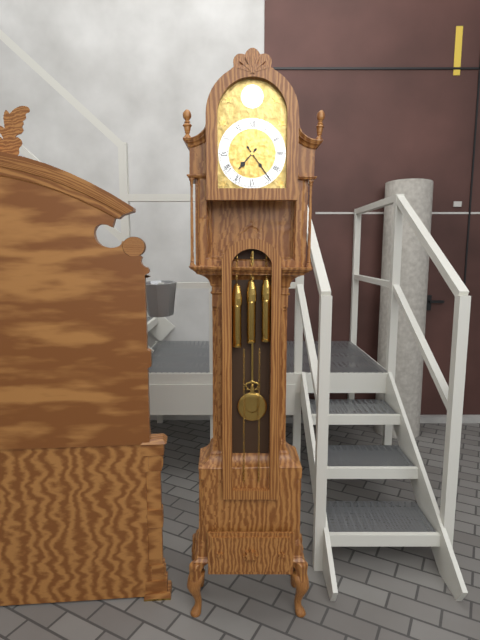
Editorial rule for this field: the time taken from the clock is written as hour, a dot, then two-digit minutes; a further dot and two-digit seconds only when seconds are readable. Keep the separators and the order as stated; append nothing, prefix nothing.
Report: 7.24
